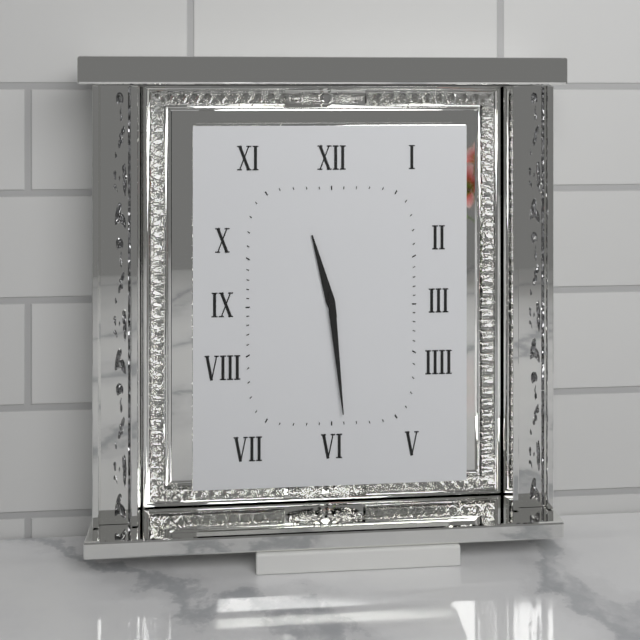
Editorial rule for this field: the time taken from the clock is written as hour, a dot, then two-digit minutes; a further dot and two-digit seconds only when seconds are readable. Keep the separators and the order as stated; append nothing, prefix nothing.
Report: 11.29
